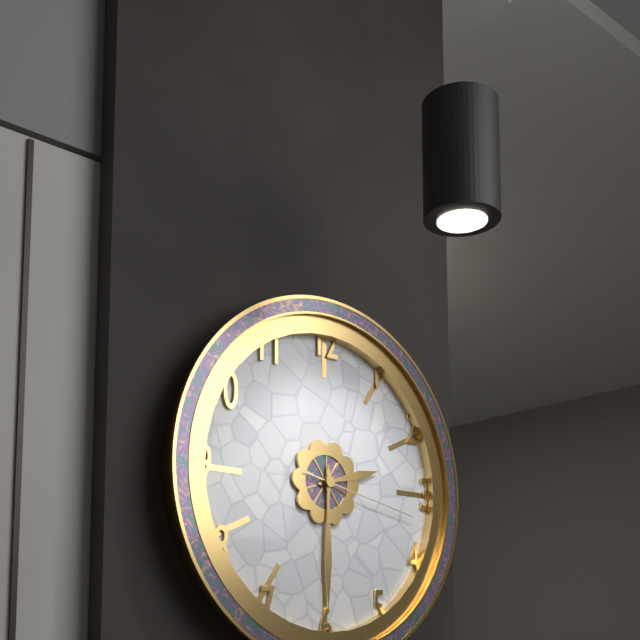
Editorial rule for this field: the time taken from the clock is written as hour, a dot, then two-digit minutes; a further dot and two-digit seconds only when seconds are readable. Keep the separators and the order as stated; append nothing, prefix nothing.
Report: 2.30.17
